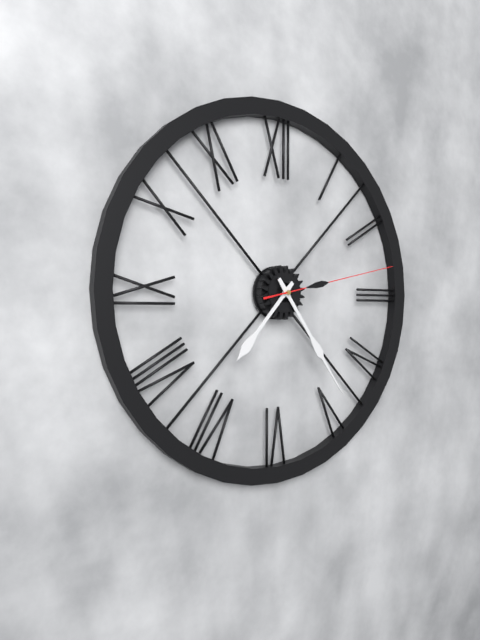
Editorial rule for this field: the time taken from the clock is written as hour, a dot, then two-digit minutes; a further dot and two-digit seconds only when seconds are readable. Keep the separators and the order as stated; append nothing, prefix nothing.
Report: 7.24.13
